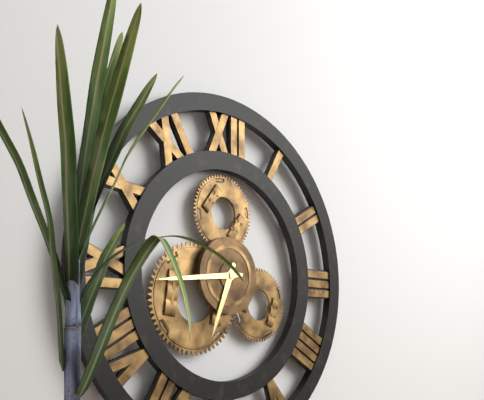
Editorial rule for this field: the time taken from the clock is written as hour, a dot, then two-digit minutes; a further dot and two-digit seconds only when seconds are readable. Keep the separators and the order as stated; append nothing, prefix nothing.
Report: 6.44
